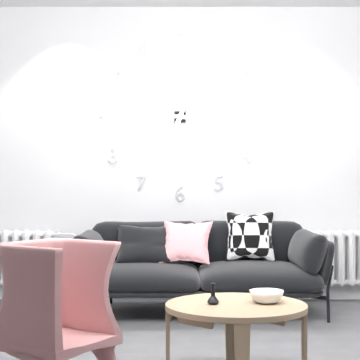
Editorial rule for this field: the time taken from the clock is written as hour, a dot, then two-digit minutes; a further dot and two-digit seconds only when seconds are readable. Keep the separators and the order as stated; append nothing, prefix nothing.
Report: 12.46
